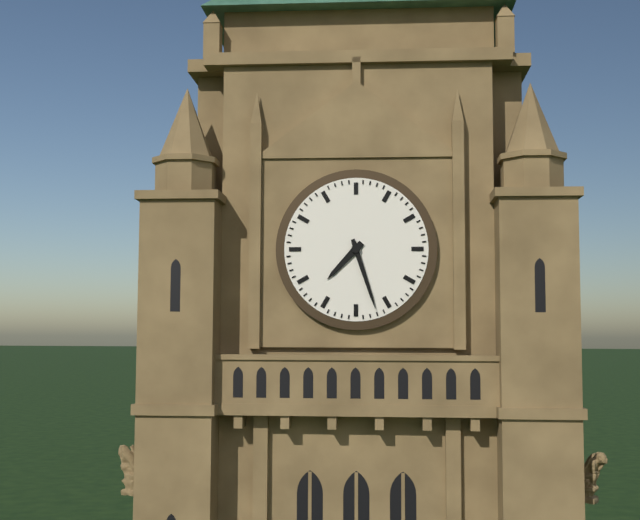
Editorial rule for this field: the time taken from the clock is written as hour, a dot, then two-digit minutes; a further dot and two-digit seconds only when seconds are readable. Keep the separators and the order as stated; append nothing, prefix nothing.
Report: 7.27
